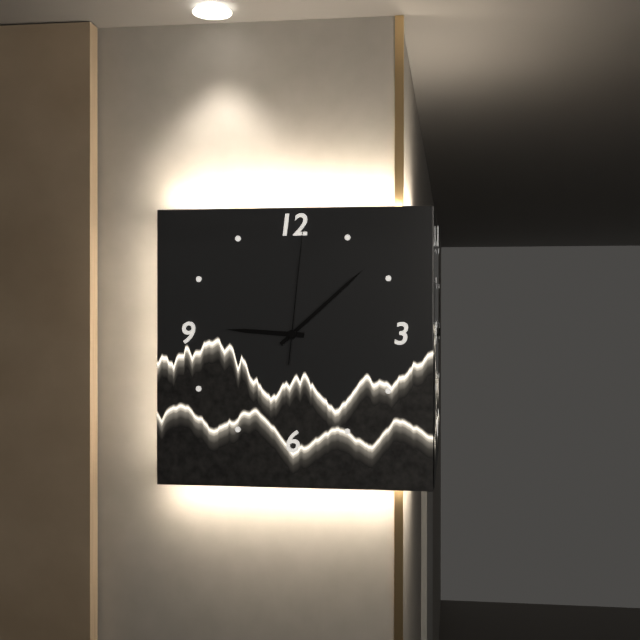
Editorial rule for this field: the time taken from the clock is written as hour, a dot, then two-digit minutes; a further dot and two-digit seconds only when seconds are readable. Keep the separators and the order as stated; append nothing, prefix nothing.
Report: 9.08.01
